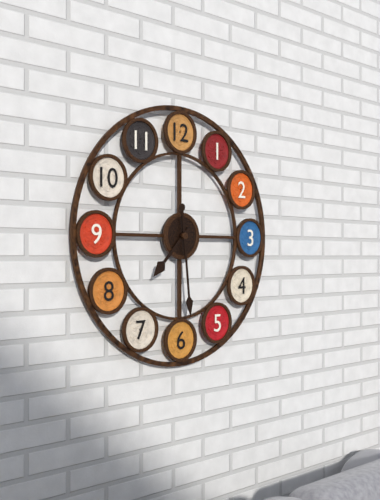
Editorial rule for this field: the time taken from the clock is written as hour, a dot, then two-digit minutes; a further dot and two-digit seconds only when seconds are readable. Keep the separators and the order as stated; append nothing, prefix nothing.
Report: 7.29
